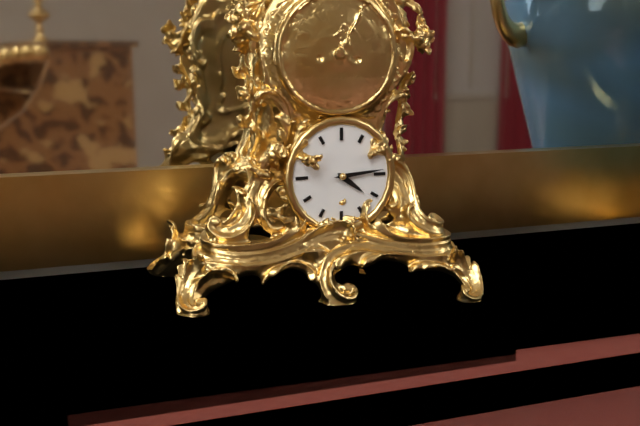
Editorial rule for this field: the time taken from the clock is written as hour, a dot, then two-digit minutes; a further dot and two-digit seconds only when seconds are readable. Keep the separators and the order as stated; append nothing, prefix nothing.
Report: 4.14
